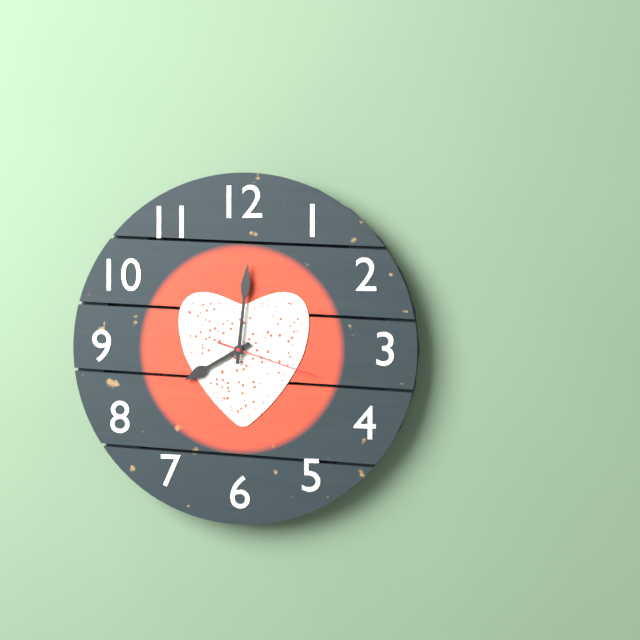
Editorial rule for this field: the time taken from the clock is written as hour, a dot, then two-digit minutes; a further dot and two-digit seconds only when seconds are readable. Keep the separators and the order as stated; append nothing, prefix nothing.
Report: 8.01.18
